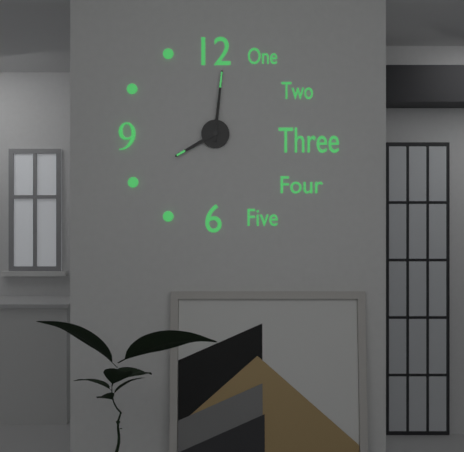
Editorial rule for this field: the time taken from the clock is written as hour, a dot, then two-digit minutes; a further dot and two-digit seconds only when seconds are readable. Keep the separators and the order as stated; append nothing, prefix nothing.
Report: 8.01
